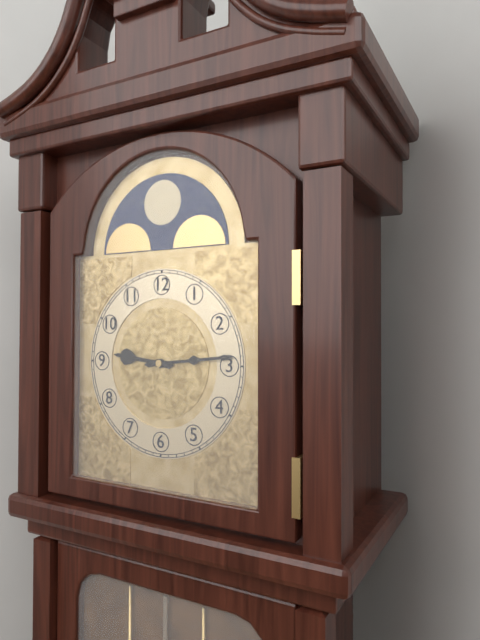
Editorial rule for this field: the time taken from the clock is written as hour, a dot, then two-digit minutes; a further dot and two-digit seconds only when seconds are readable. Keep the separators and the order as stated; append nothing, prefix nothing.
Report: 9.14
